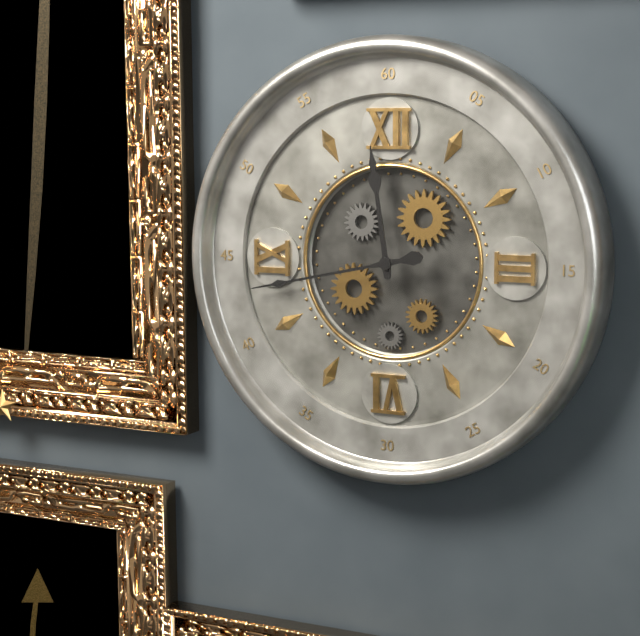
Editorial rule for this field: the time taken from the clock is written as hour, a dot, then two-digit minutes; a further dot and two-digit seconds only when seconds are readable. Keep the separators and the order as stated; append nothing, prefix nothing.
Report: 11.43
